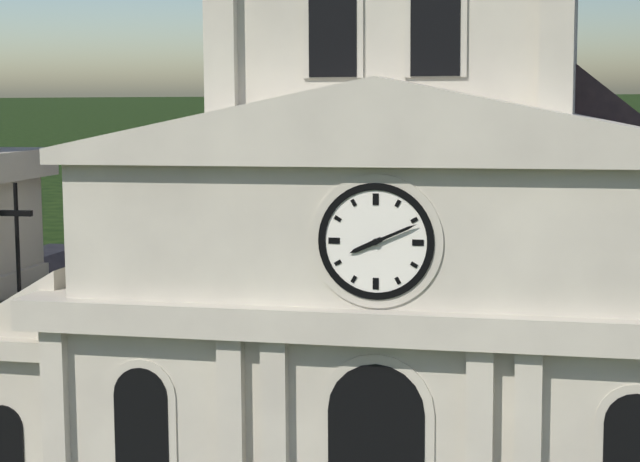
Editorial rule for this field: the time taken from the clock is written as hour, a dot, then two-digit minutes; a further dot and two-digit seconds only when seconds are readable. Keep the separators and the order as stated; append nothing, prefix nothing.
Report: 8.11
